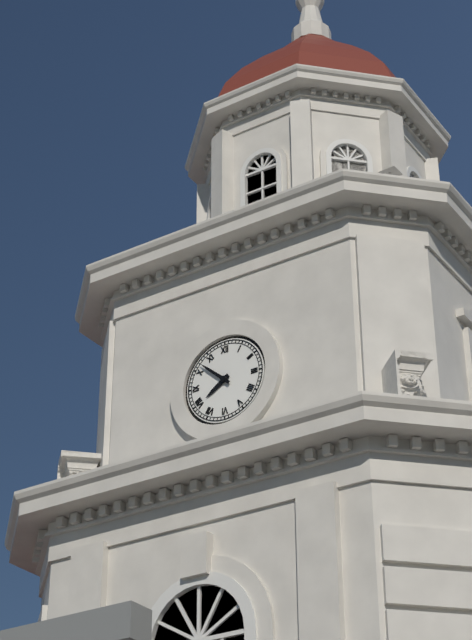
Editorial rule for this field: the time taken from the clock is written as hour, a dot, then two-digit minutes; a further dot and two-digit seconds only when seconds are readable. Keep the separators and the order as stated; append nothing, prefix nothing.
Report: 7.52
